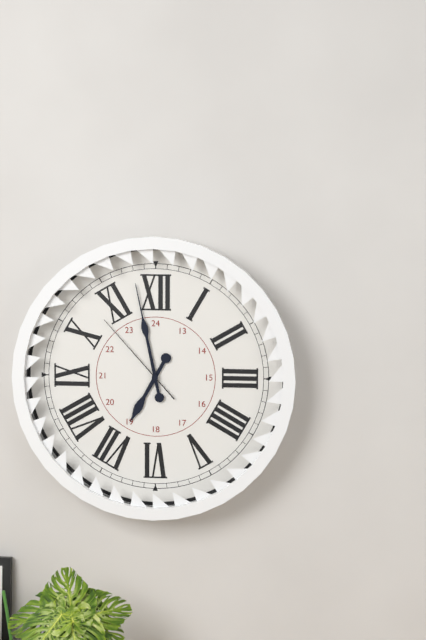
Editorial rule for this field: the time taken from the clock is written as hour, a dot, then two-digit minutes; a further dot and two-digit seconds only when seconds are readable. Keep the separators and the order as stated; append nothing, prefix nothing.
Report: 6.58.53
